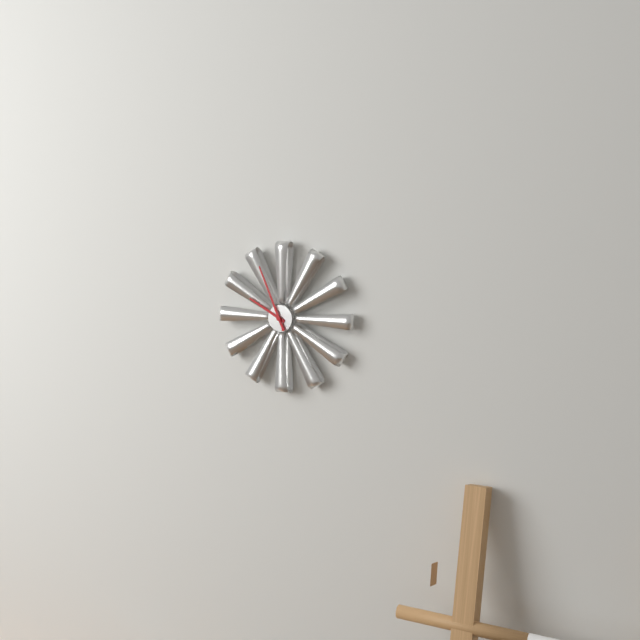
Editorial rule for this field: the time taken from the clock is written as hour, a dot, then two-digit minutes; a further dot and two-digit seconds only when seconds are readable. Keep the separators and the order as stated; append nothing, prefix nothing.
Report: 9.56
